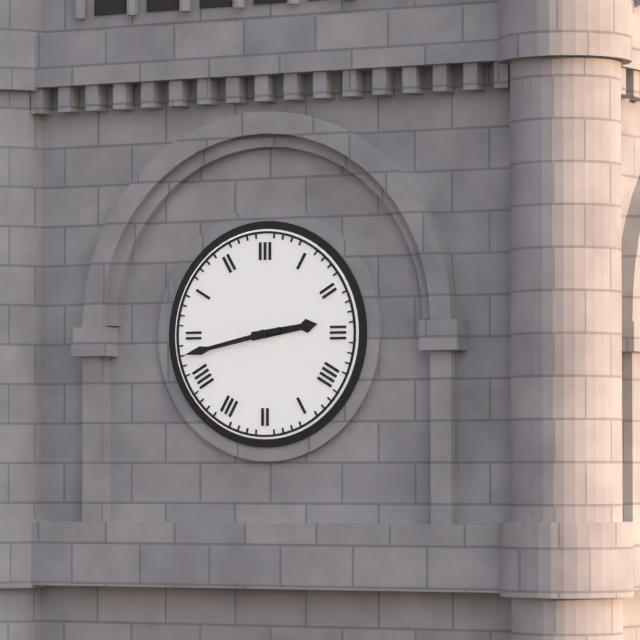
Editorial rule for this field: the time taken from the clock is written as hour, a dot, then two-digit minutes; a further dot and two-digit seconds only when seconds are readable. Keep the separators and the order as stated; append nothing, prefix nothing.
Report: 2.43
